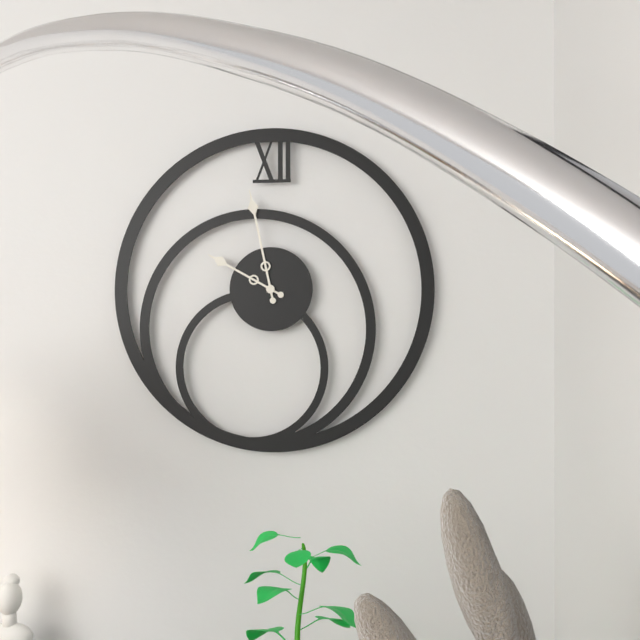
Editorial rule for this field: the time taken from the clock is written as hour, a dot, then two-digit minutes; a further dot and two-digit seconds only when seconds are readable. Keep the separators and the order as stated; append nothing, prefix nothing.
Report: 9.58
